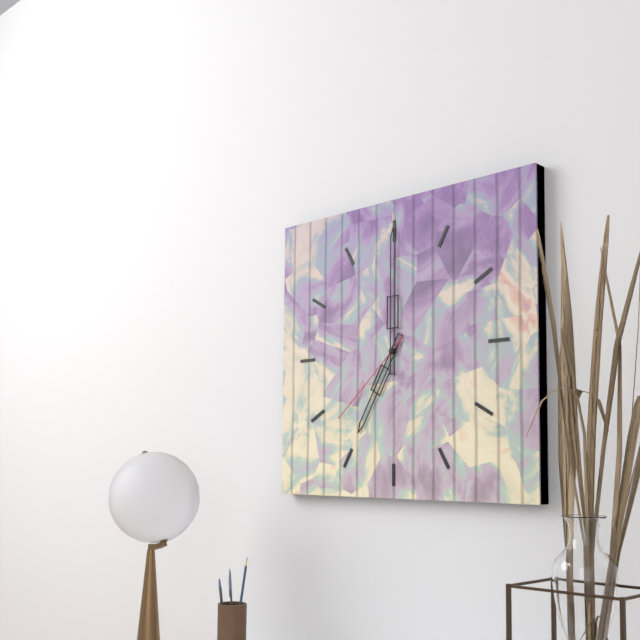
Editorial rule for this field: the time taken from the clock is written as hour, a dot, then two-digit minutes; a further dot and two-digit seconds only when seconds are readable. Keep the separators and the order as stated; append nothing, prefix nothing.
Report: 7.00.38
